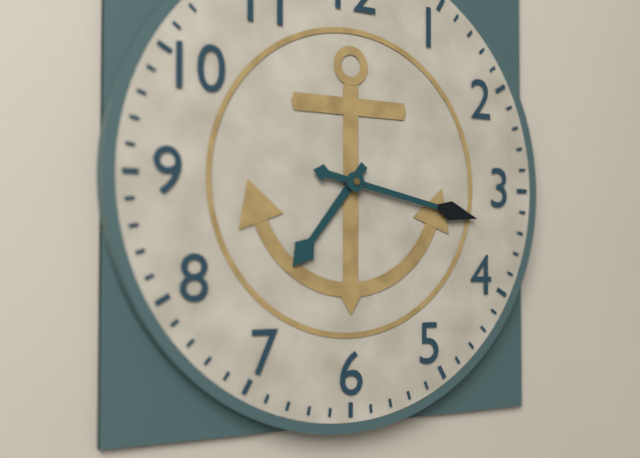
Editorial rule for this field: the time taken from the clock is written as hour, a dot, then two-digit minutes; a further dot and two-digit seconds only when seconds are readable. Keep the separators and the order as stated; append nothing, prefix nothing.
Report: 7.17
